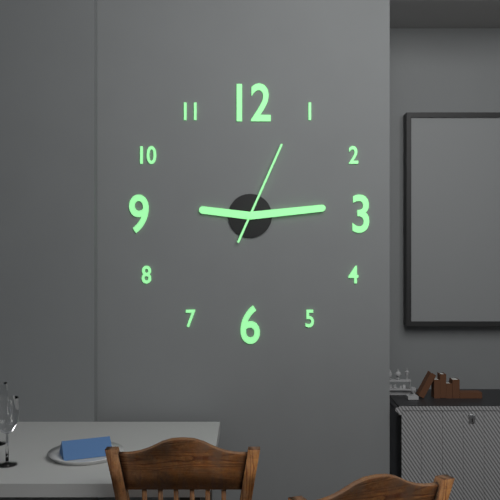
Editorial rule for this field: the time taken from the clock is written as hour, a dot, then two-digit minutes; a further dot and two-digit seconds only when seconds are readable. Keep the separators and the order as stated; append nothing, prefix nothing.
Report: 9.14.04
